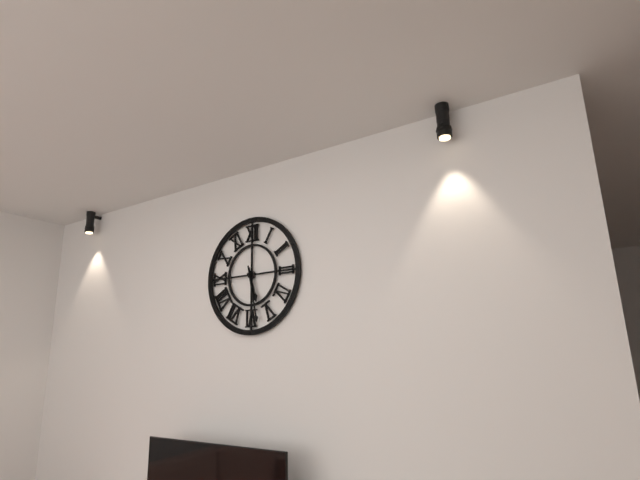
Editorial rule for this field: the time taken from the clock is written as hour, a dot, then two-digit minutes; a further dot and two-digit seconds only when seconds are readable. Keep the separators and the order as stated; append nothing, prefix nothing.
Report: 5.28
